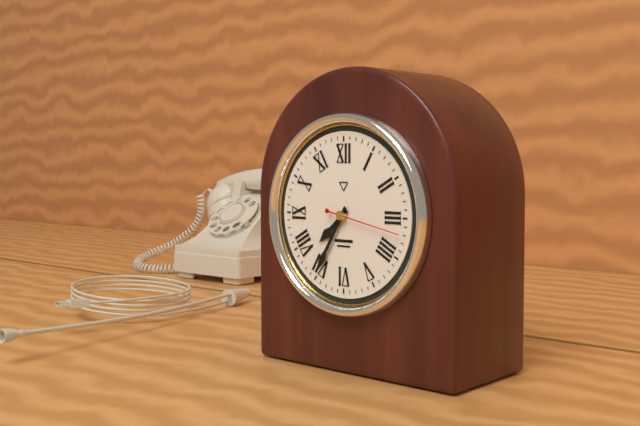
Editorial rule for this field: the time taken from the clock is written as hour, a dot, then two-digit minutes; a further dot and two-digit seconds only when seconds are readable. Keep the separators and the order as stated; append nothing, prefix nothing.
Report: 7.35.17
